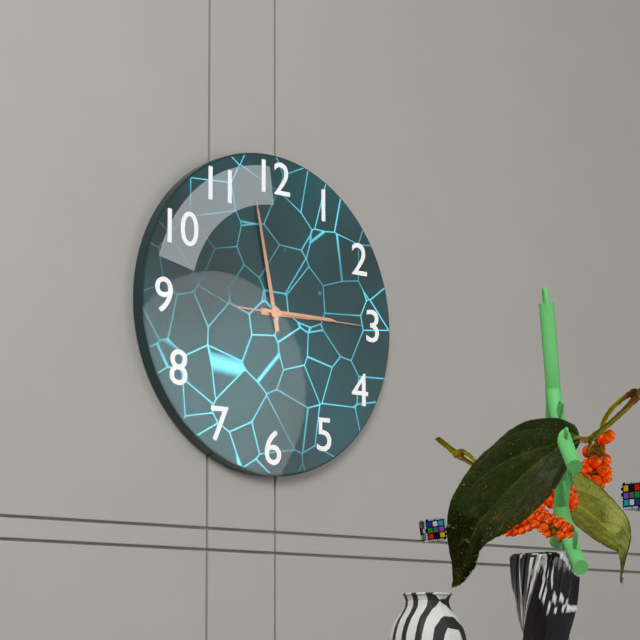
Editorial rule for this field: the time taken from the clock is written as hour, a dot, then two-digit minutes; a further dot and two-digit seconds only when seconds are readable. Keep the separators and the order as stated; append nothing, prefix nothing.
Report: 2.58.15
